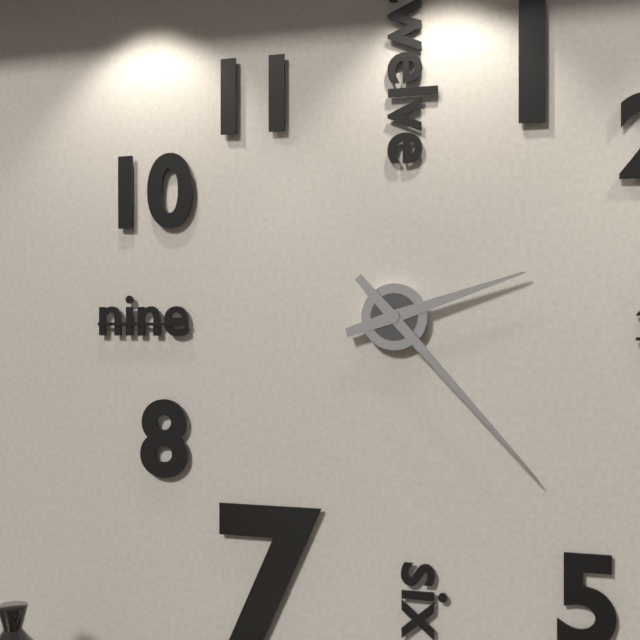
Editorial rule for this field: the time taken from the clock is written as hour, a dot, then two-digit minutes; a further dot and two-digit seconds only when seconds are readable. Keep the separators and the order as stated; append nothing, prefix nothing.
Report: 2.23
